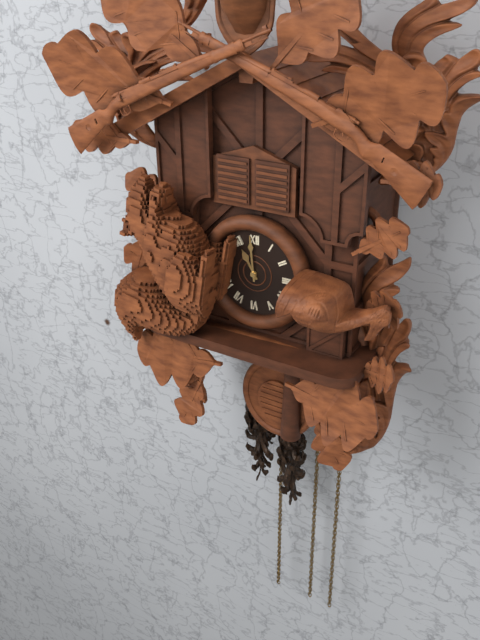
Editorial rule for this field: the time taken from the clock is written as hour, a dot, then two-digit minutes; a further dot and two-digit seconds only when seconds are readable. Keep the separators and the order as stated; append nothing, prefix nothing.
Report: 10.59
